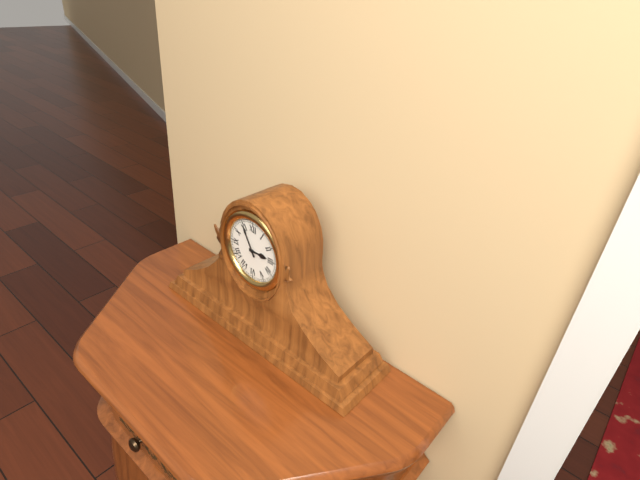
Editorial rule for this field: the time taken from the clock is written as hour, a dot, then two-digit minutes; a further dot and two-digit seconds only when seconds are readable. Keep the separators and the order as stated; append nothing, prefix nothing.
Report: 2.55
